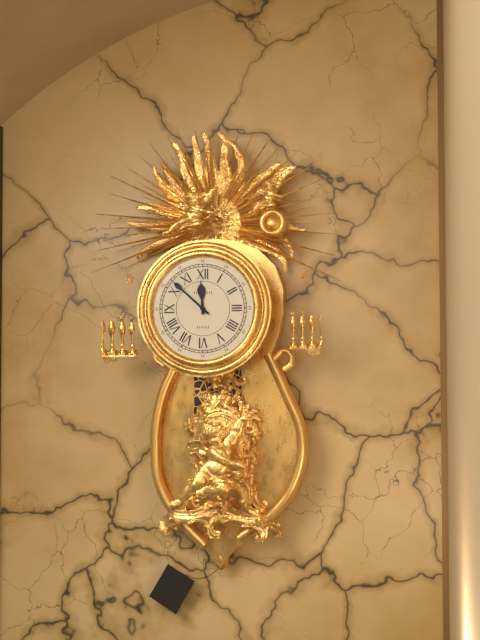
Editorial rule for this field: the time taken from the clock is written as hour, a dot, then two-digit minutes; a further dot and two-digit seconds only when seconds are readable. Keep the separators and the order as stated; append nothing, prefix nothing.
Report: 11.52
